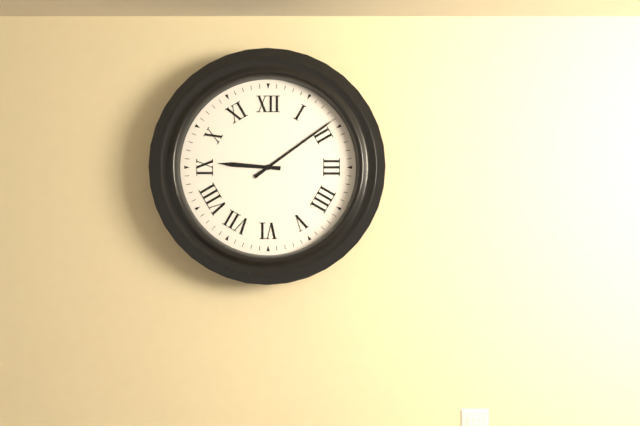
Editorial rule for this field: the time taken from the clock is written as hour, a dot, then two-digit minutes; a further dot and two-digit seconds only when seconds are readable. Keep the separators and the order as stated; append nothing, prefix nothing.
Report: 9.09
